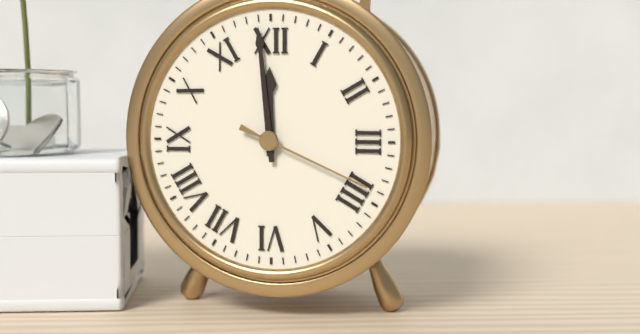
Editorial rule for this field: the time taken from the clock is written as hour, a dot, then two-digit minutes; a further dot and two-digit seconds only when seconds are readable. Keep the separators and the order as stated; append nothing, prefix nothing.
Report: 11.59.19
